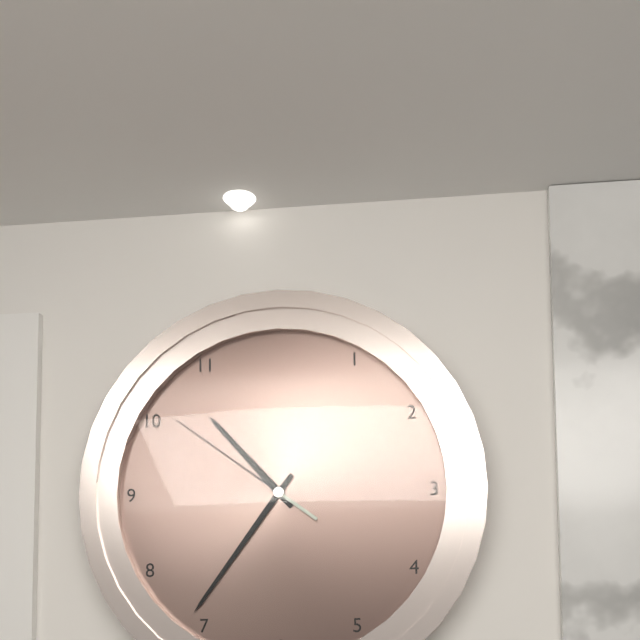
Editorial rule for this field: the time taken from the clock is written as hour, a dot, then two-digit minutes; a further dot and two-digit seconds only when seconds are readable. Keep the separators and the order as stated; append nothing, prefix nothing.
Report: 10.36.51
